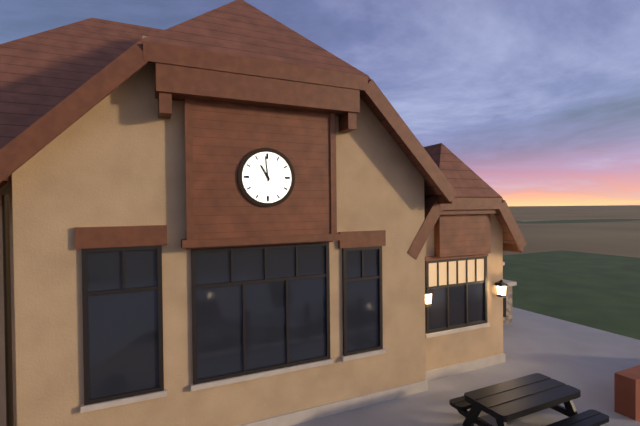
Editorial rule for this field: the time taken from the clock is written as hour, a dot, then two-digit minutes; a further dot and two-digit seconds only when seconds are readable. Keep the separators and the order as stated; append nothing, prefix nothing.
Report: 10.59
